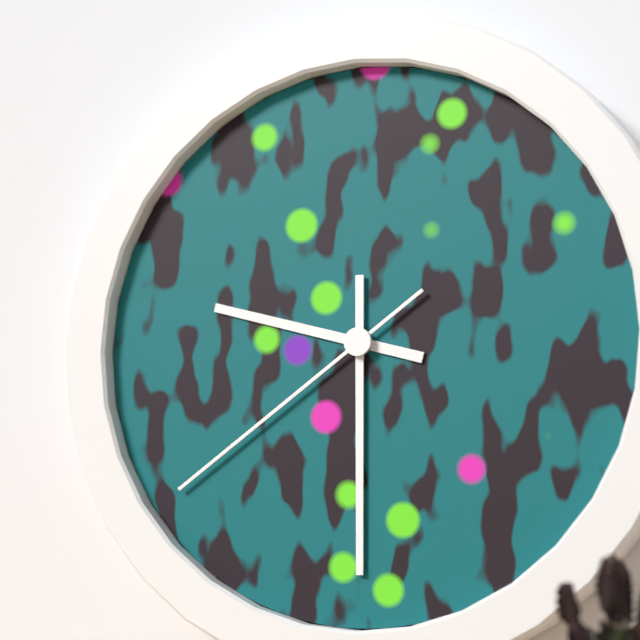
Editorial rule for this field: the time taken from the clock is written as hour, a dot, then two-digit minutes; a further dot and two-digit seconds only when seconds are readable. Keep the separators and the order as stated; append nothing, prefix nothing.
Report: 9.30.39
